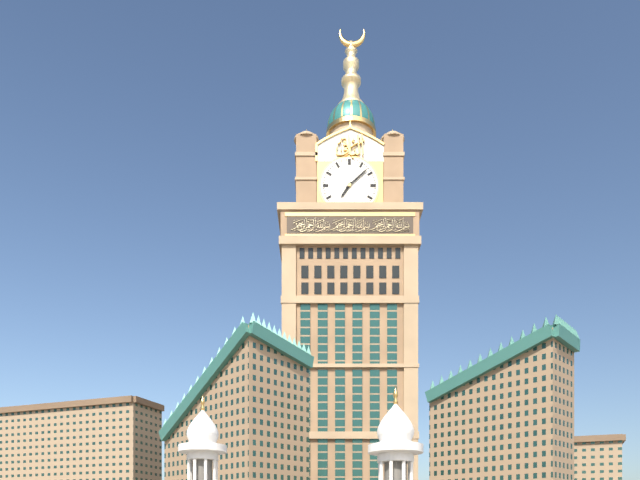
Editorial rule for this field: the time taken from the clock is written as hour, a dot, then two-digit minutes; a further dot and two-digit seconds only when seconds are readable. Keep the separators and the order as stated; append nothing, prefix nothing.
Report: 7.08
